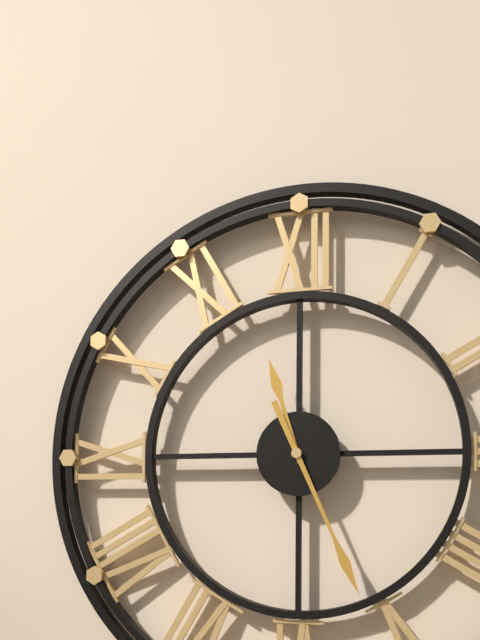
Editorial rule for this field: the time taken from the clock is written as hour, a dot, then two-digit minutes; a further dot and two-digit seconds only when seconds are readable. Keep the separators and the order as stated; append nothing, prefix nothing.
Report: 11.26
